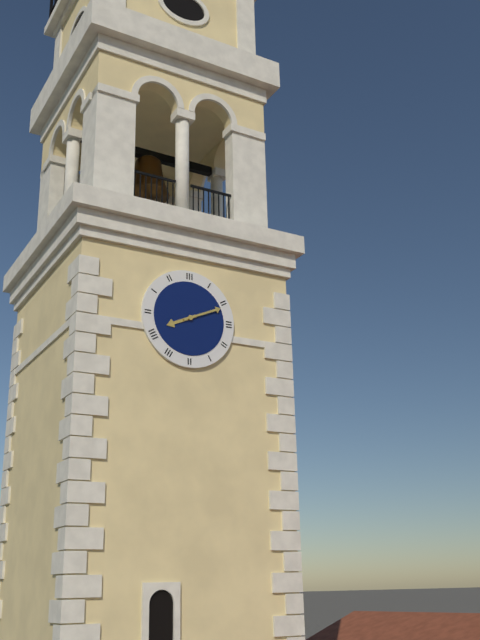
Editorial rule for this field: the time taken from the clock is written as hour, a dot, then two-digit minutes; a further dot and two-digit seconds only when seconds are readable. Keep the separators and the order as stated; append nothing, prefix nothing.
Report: 8.11
